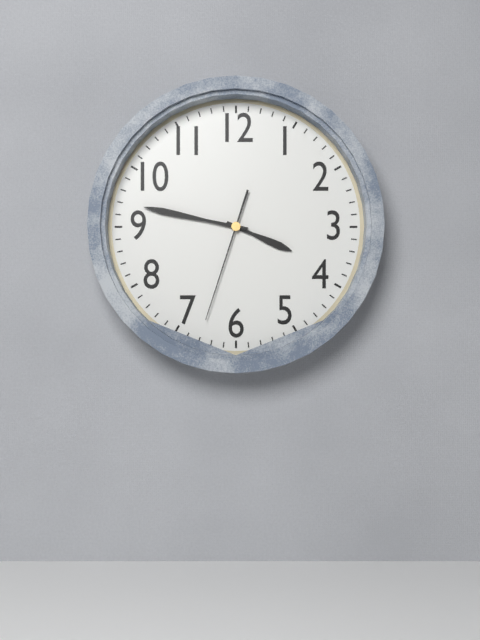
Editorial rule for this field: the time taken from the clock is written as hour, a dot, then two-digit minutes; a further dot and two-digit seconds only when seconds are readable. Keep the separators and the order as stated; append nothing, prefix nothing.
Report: 3.47.33
